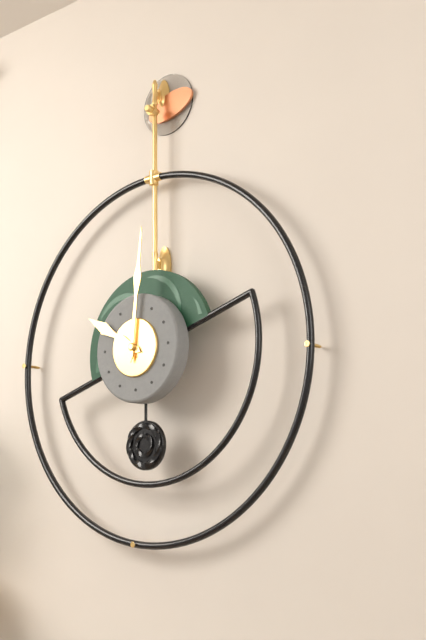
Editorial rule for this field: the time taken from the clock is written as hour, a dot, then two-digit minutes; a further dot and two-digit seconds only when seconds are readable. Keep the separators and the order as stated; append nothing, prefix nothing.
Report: 10.01
